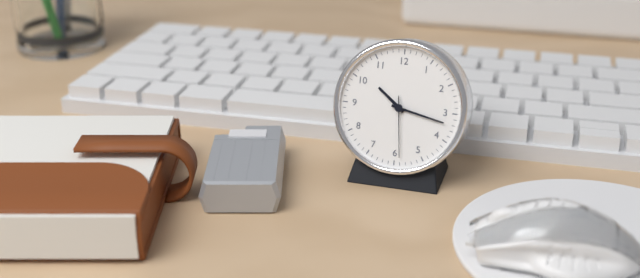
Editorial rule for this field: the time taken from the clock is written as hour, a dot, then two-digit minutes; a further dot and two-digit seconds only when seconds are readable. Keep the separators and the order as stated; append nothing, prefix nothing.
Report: 10.17.29
